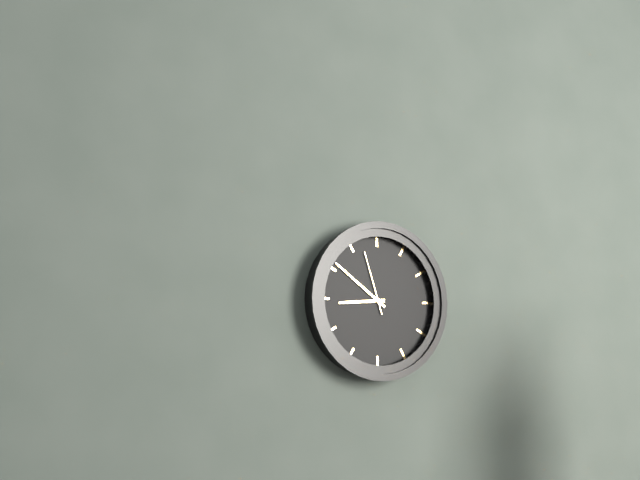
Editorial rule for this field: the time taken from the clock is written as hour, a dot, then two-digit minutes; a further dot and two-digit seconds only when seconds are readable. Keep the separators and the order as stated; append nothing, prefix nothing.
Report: 8.51.57
